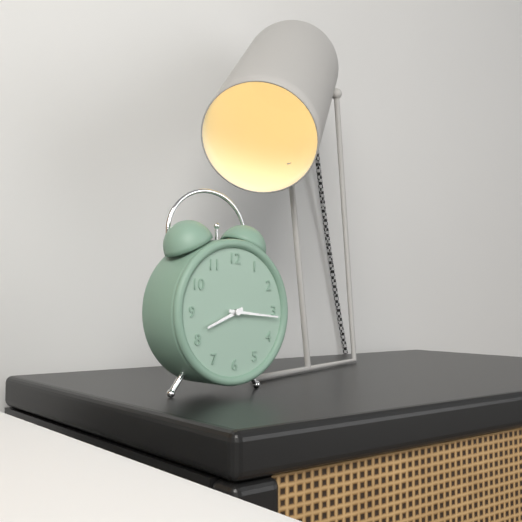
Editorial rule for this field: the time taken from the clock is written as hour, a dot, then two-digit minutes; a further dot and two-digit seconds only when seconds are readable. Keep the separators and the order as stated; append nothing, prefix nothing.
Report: 8.16
